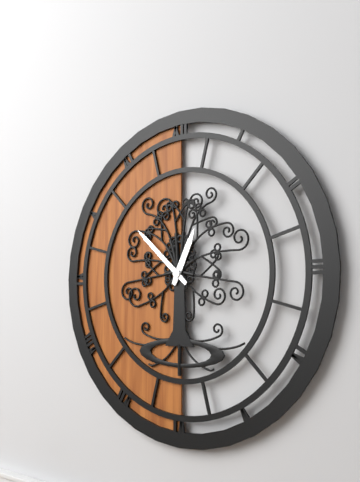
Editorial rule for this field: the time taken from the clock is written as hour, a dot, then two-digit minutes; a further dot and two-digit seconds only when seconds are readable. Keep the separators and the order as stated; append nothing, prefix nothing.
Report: 12.52
